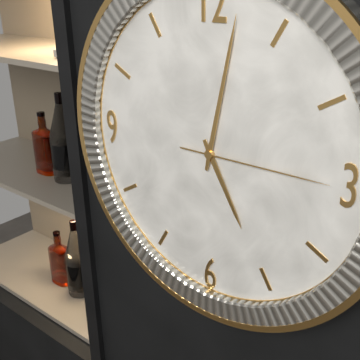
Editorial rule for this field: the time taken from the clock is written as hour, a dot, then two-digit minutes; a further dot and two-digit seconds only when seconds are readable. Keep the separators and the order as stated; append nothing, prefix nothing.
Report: 5.02.15
